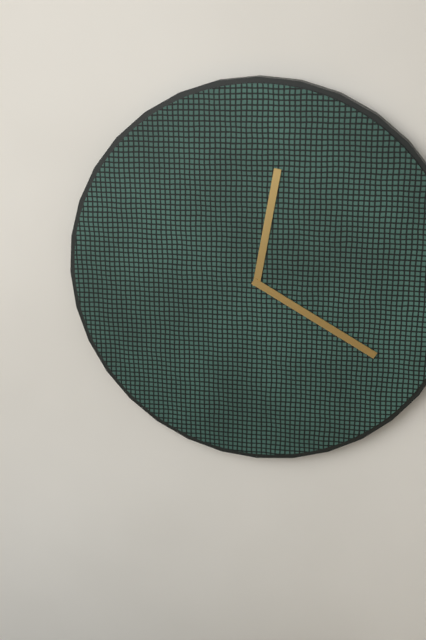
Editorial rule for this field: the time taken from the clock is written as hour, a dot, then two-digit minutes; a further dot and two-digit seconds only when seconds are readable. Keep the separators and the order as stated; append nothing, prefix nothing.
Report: 12.20
